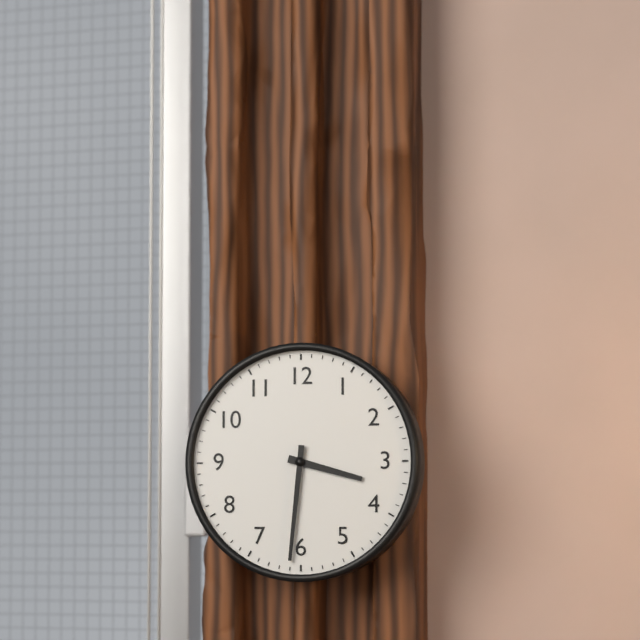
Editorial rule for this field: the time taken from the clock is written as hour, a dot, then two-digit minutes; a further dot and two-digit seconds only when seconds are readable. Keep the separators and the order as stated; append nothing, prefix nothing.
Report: 3.31
